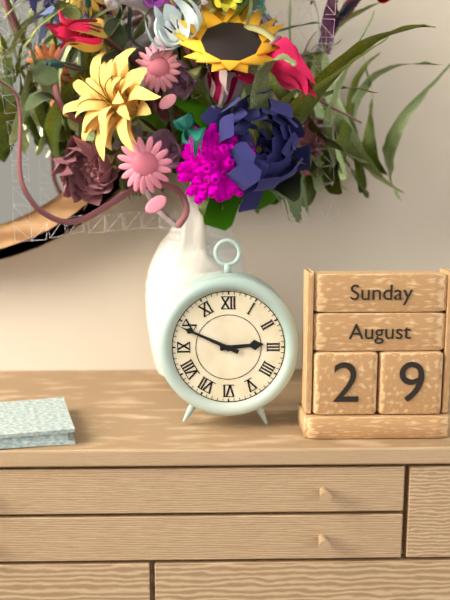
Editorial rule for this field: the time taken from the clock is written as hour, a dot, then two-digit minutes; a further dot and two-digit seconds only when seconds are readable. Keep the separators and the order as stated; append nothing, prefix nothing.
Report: 2.49
